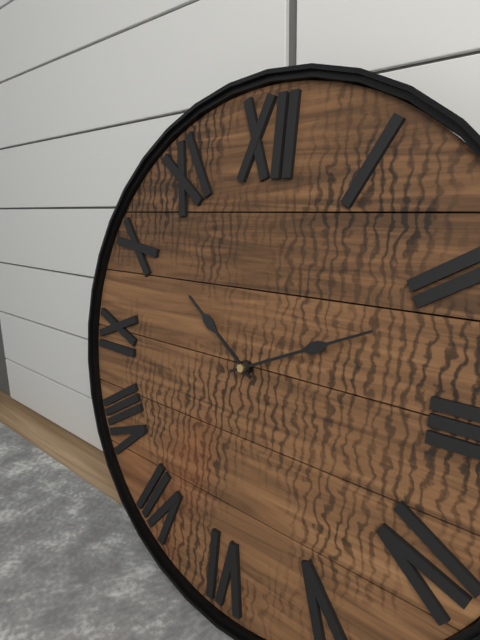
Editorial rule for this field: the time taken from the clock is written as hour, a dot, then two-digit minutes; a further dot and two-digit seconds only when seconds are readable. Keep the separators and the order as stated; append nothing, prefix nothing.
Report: 10.11
